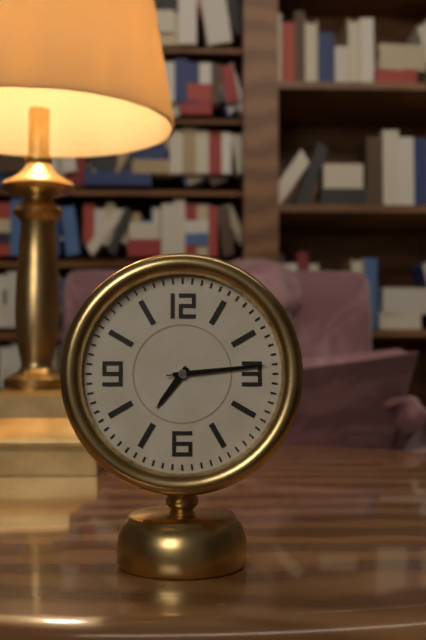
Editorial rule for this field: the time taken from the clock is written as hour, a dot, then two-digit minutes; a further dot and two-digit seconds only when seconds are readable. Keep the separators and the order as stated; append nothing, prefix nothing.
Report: 7.14.14
